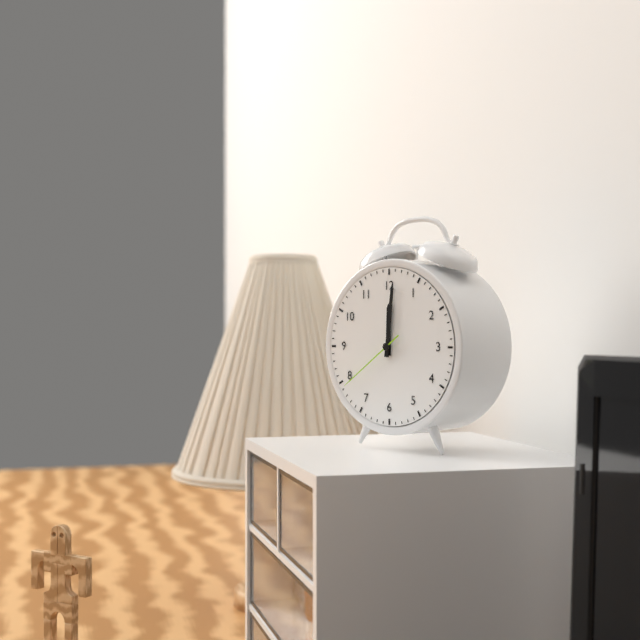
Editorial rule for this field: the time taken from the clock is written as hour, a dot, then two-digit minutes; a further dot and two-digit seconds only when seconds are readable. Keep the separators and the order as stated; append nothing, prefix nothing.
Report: 12.01.39
